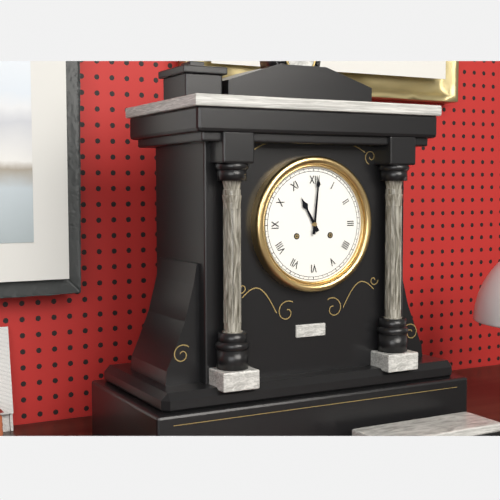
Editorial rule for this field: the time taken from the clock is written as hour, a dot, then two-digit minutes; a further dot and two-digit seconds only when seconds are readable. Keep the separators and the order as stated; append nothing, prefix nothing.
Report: 11.01
